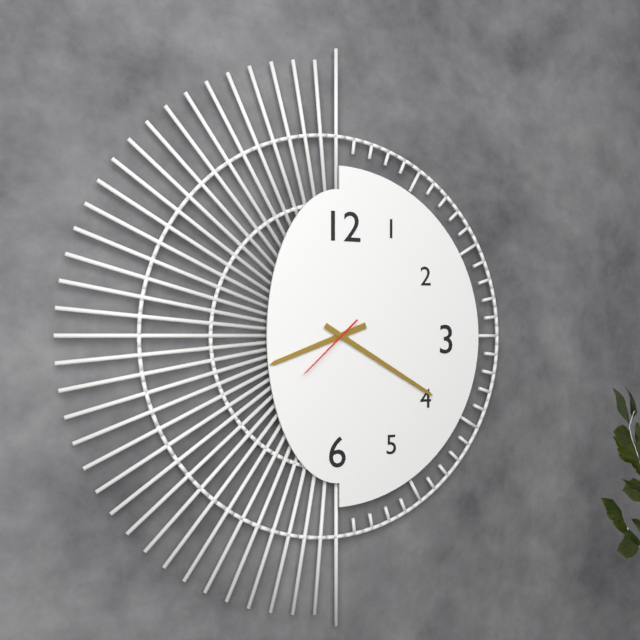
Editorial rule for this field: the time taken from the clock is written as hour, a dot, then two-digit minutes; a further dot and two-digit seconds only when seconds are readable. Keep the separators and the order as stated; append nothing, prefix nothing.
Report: 8.20.38
